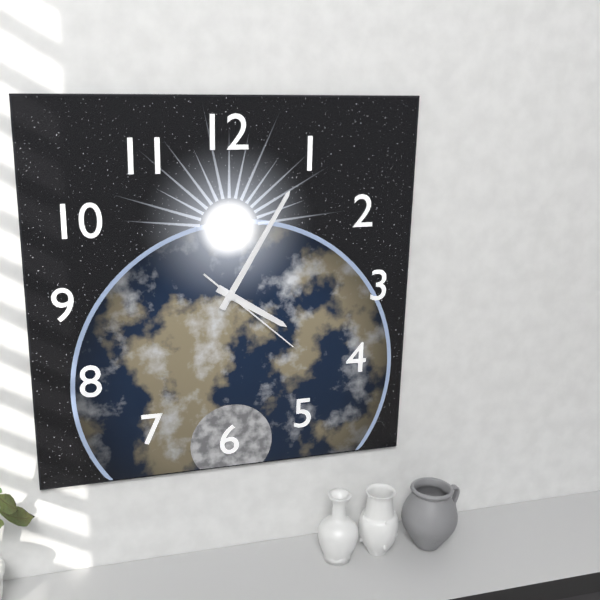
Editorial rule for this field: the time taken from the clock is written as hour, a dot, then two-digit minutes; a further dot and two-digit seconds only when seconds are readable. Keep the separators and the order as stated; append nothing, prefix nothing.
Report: 4.05.22
